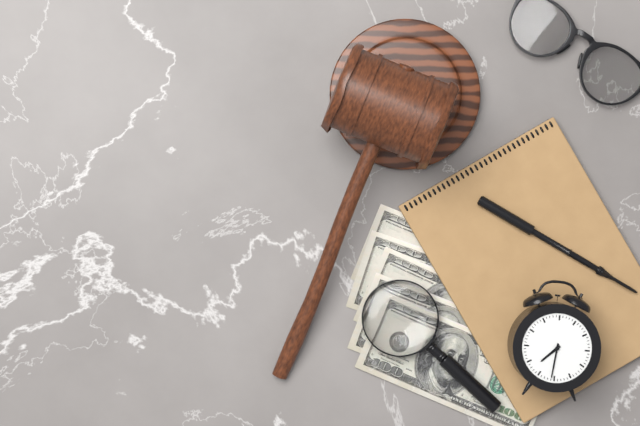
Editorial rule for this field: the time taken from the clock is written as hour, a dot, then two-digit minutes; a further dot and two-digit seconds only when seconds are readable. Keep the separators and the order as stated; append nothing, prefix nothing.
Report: 7.31
